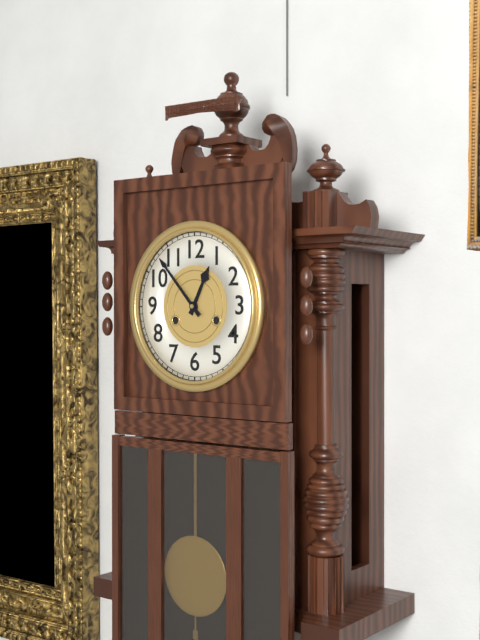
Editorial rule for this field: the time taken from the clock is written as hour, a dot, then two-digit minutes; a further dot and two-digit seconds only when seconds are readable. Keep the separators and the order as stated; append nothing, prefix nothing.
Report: 12.53
